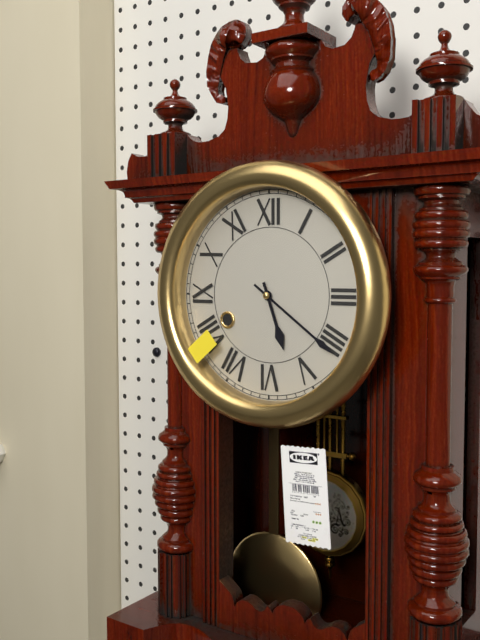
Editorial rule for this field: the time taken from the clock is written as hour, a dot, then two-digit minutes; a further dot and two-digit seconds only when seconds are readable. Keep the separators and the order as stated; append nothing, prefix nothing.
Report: 5.21
